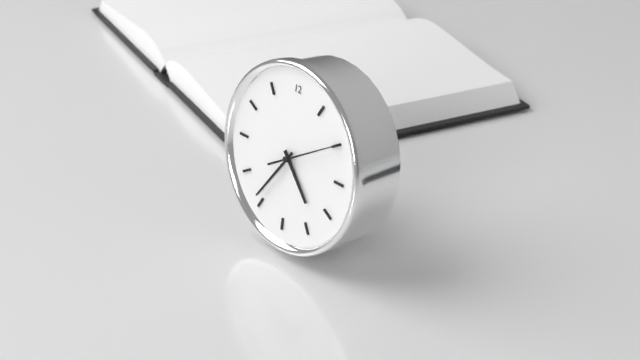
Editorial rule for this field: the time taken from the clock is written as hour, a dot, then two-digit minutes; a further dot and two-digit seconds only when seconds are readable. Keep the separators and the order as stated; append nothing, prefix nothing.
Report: 4.36.10
